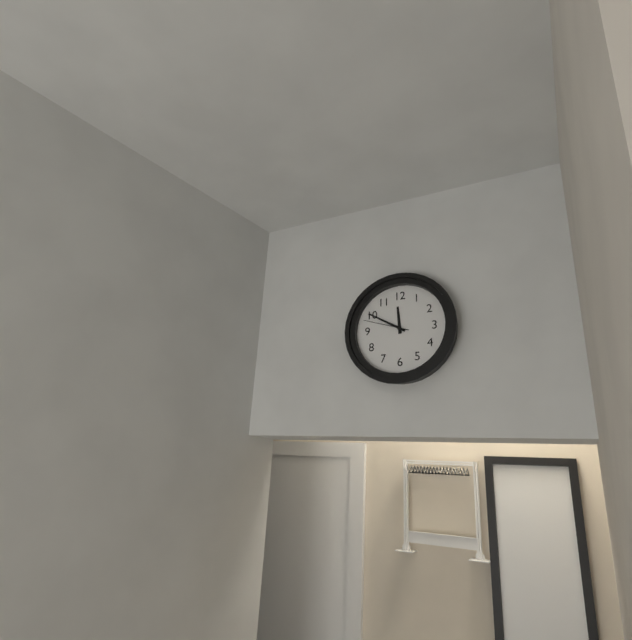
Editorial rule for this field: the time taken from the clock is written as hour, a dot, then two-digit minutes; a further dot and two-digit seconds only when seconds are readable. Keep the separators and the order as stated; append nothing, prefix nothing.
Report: 11.50
